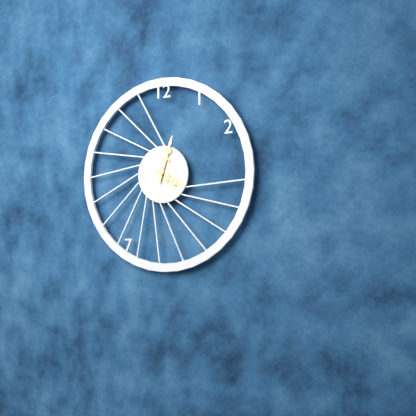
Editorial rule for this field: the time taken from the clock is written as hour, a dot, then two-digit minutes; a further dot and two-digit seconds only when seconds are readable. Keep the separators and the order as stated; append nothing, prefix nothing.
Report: 4.03
